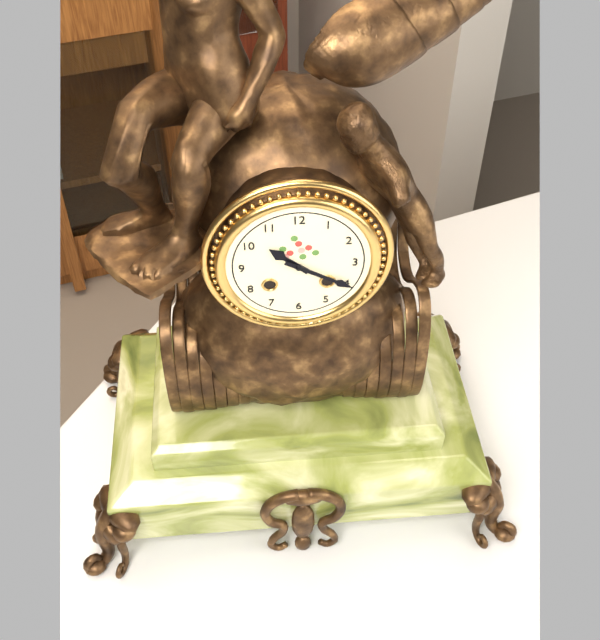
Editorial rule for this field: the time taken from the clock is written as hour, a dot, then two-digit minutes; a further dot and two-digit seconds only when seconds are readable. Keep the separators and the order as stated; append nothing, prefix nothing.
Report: 10.20
